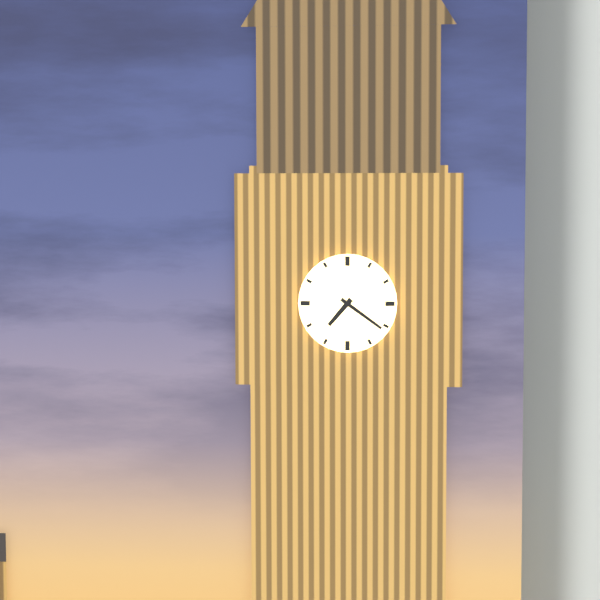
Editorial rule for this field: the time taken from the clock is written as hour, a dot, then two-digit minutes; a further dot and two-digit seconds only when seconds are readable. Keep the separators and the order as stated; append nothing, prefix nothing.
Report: 7.21
